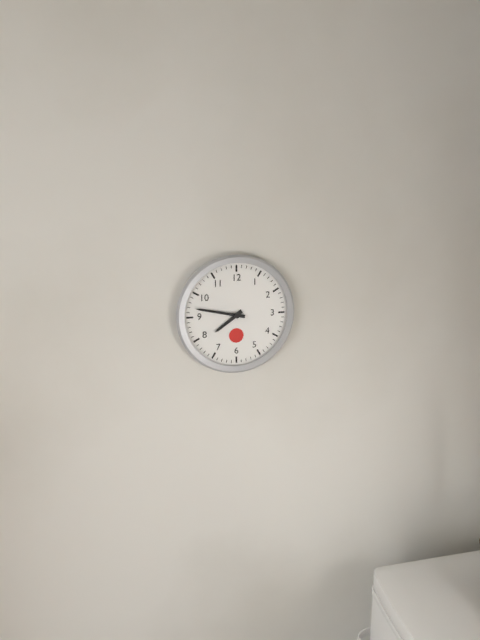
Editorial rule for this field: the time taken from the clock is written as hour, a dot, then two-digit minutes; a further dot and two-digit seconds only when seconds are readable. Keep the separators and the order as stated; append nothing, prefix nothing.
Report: 7.47
